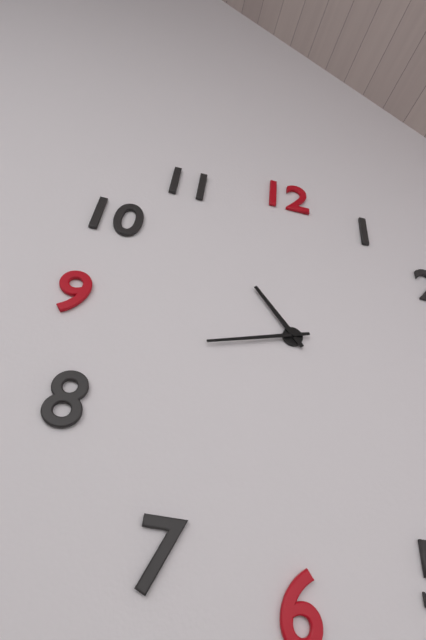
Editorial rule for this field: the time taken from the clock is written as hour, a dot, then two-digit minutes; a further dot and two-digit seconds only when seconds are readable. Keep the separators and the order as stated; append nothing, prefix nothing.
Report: 10.42
